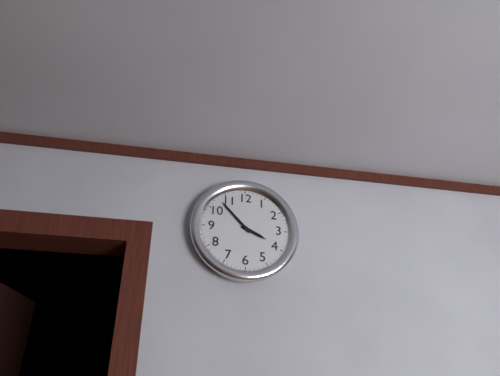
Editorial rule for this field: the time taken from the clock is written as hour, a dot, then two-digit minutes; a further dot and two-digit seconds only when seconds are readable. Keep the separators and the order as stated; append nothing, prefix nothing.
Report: 3.53
